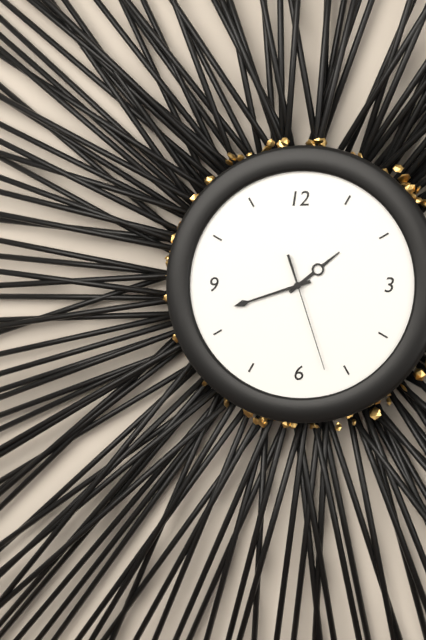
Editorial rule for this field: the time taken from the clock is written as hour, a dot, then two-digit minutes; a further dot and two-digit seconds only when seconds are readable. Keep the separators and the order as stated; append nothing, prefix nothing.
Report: 1.42.27
